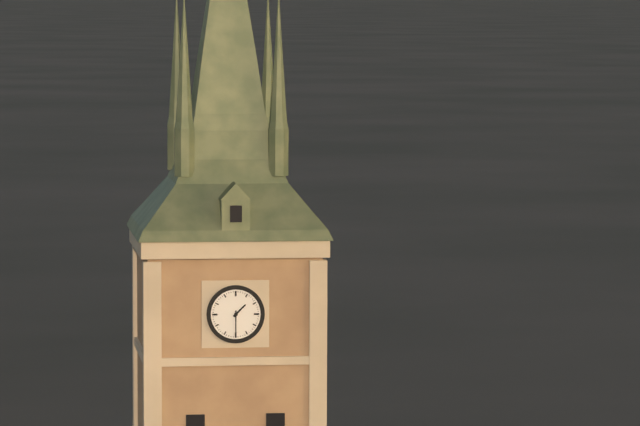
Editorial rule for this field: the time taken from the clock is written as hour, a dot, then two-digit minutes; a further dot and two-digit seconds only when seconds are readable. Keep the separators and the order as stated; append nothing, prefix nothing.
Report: 1.30
